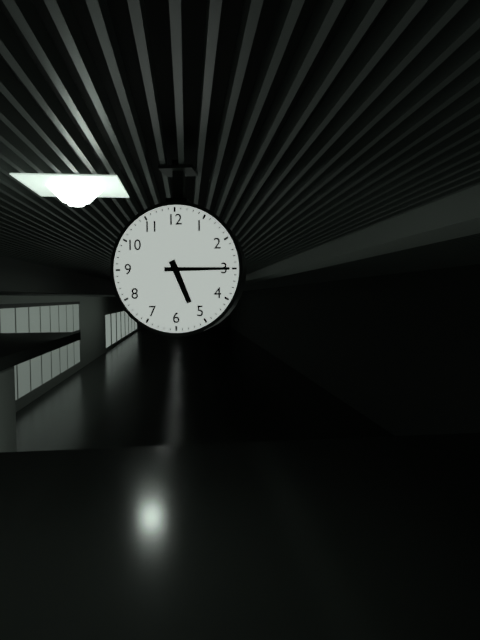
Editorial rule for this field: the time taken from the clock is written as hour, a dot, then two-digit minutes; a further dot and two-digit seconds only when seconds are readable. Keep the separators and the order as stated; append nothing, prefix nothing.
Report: 5.15
